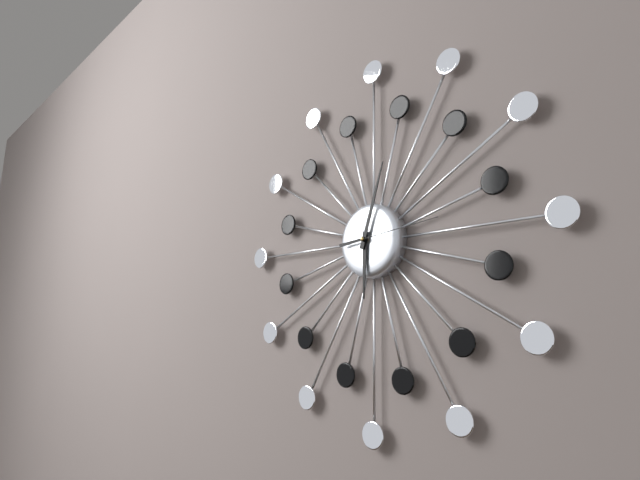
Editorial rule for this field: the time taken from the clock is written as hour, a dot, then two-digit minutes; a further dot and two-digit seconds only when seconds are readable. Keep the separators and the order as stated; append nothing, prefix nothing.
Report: 6.03.14
